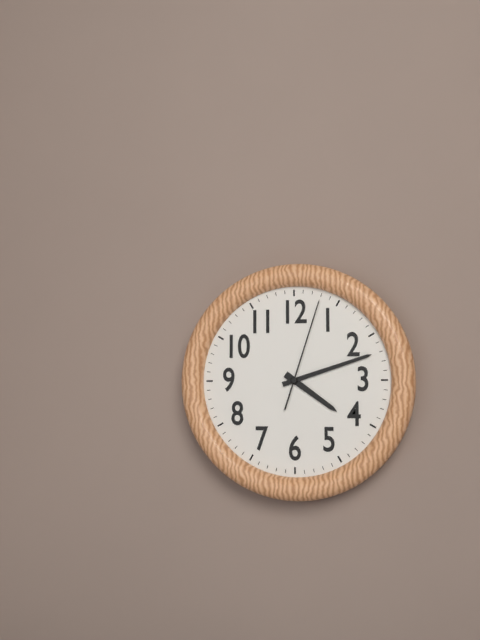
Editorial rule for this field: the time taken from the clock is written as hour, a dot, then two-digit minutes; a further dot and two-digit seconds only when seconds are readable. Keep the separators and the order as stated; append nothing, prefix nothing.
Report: 4.12.03
